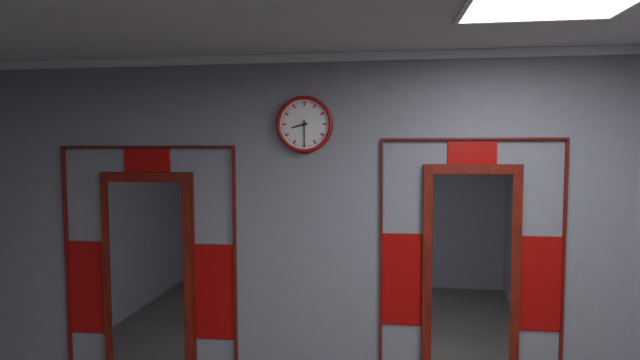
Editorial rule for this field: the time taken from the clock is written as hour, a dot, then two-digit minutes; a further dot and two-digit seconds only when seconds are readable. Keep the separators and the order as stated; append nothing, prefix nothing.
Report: 8.30
